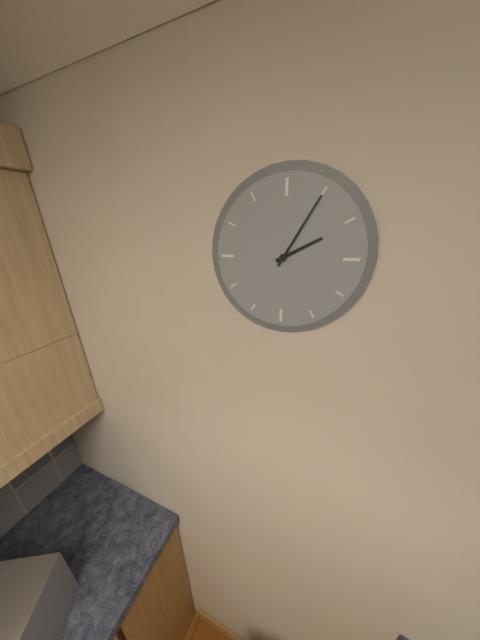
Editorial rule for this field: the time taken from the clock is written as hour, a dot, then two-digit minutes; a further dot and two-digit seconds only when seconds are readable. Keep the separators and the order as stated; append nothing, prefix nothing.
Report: 2.05
